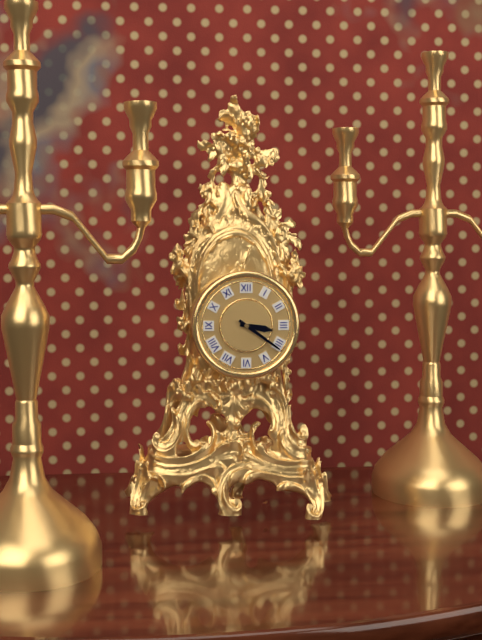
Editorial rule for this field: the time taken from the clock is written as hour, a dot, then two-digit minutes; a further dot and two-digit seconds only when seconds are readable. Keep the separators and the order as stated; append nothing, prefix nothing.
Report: 3.21
